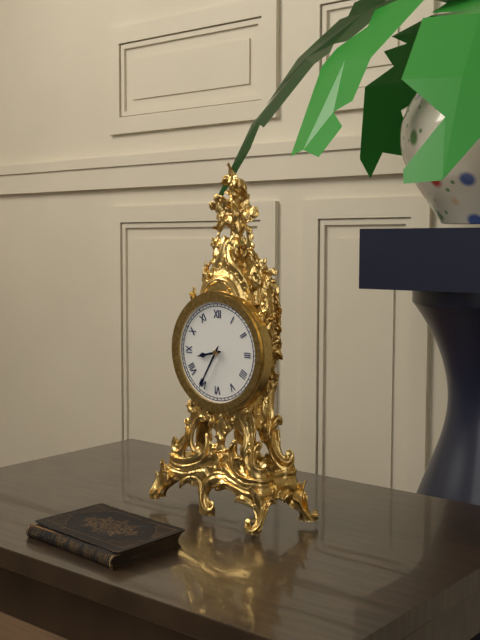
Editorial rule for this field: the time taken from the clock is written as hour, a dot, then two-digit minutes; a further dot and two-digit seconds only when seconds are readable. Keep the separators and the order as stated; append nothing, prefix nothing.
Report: 8.35
